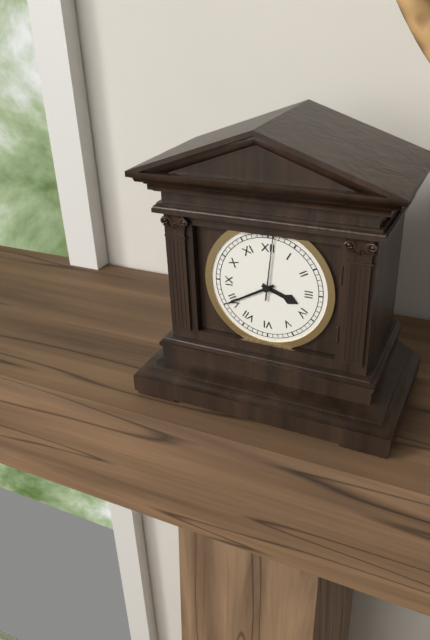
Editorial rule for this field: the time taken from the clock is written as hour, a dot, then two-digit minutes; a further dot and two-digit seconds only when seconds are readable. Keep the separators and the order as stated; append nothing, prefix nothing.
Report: 3.40.01
